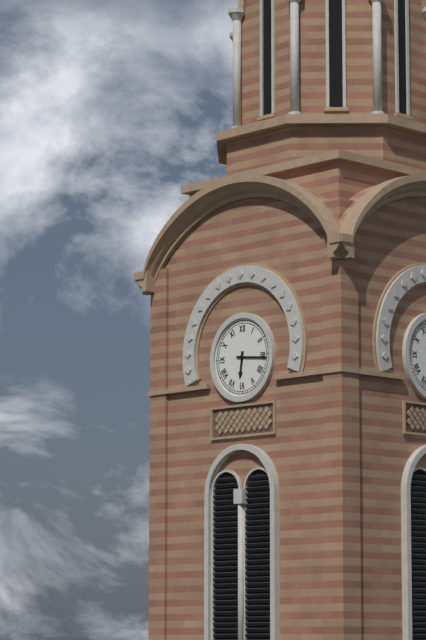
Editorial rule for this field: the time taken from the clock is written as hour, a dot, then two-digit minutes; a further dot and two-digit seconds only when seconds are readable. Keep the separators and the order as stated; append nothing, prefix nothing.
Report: 6.16
